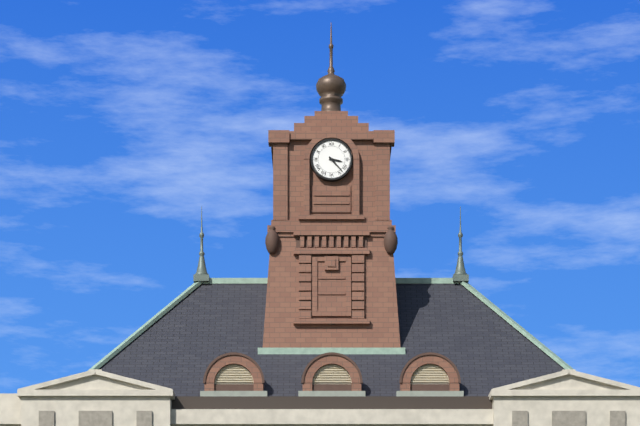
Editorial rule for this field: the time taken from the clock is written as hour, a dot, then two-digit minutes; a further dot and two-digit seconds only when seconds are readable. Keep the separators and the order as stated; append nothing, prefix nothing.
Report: 3.23
